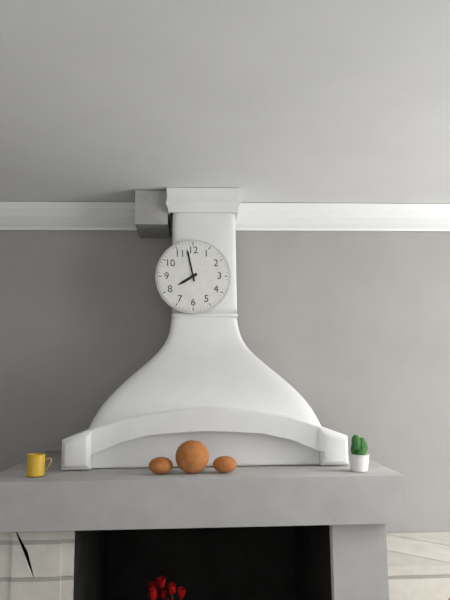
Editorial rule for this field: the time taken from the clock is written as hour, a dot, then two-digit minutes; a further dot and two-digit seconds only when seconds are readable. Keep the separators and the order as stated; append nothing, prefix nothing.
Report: 7.58
